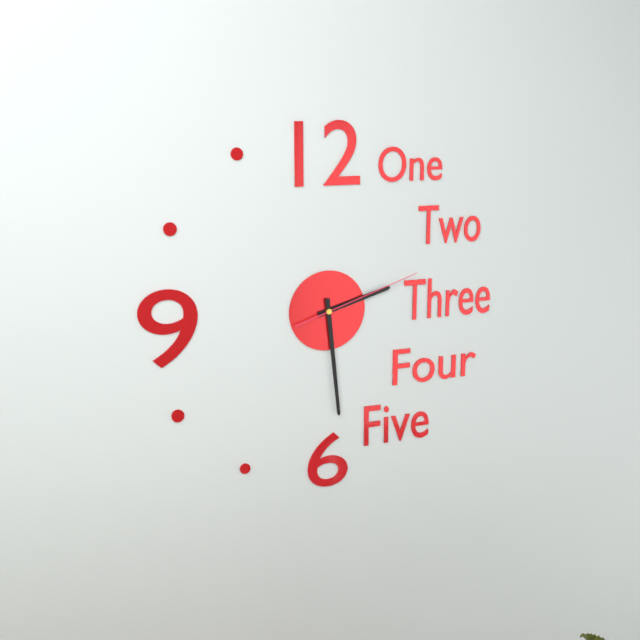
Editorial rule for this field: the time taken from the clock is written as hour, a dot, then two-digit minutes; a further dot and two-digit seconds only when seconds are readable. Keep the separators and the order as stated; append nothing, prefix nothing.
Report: 2.29.12
